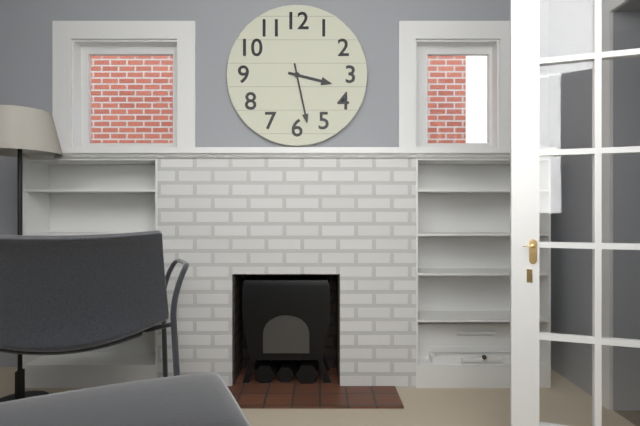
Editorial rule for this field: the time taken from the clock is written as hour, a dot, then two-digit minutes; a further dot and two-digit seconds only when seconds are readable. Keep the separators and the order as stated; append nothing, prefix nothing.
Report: 3.28
